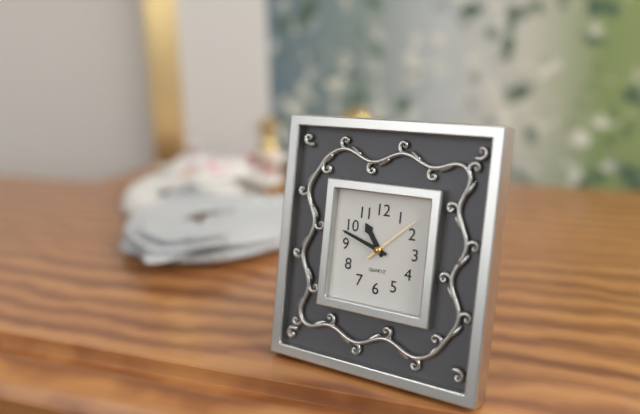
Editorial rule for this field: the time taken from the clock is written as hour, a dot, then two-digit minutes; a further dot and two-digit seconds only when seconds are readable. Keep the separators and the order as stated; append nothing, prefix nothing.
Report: 10.48.08
